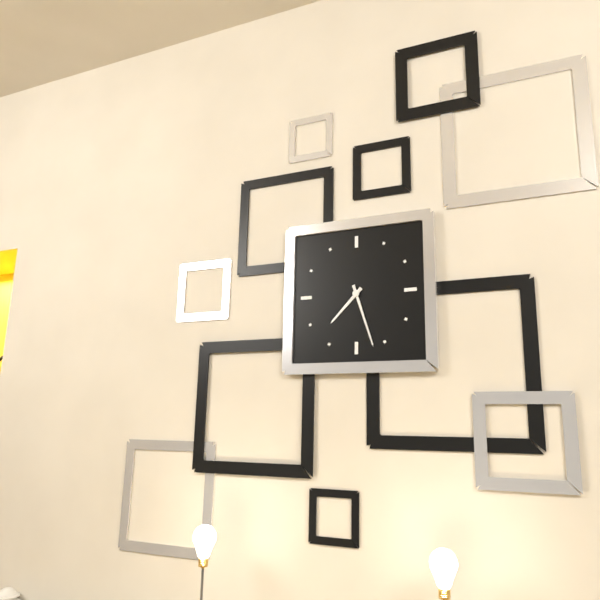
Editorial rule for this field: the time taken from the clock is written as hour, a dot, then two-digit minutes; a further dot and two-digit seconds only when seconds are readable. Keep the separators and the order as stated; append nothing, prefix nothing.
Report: 7.27
